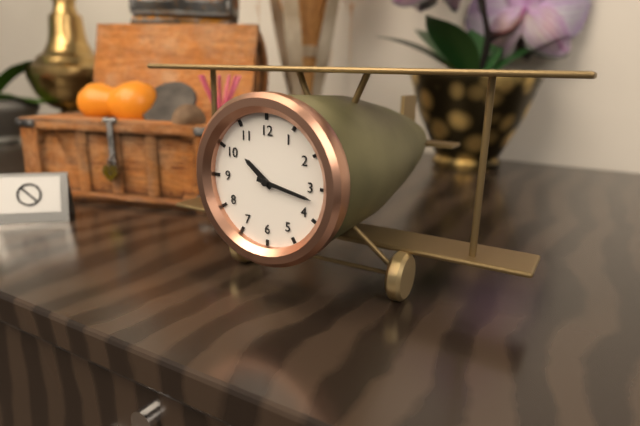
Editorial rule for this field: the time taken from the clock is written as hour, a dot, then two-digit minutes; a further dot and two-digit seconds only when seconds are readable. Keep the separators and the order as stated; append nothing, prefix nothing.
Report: 10.17
